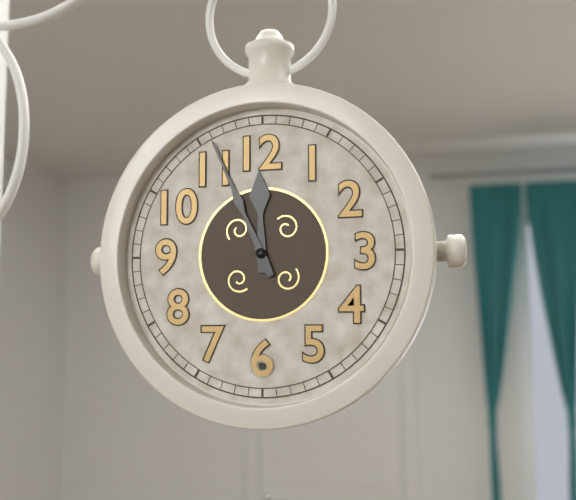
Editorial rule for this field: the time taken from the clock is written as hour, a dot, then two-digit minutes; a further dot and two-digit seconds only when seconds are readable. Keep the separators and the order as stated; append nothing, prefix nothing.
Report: 11.56
